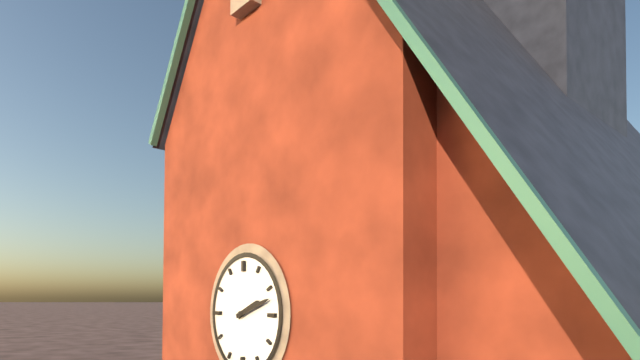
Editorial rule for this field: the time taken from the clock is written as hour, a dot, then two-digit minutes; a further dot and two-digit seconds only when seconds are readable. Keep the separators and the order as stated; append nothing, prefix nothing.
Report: 2.12
